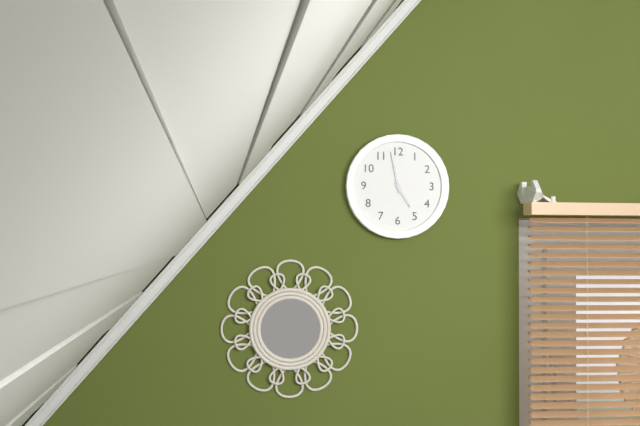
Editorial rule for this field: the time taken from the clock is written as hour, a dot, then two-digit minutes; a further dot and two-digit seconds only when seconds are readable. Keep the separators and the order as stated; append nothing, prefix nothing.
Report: 4.58
